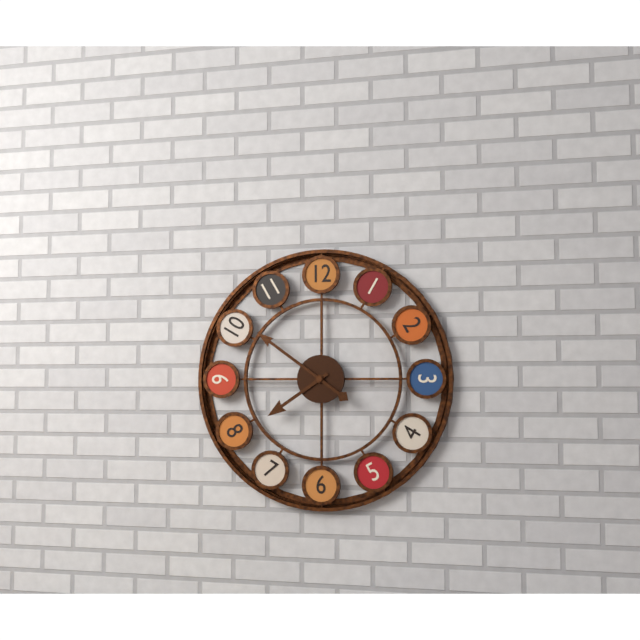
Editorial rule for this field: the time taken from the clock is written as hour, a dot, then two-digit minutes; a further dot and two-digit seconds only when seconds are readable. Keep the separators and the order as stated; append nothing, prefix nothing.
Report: 7.51
